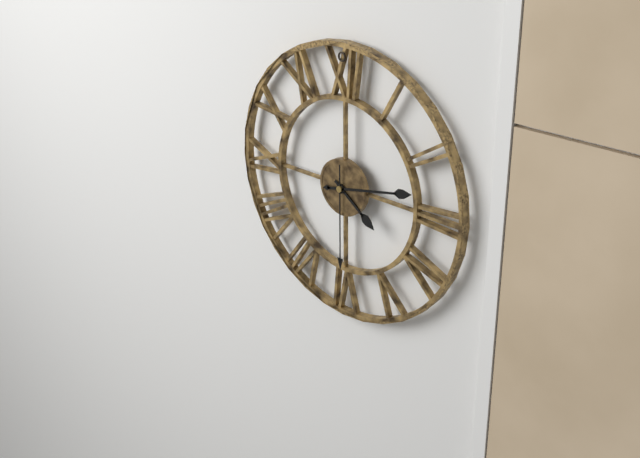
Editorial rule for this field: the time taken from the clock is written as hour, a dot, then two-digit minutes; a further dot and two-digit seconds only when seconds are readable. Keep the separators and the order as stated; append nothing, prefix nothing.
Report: 4.13.30
